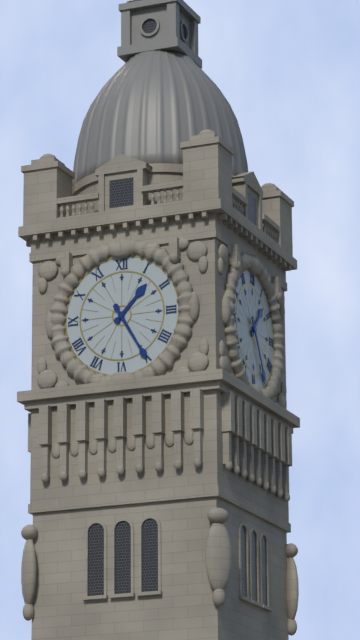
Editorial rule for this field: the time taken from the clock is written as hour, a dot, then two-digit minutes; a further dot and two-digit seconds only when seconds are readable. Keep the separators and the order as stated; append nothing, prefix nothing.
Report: 1.25
